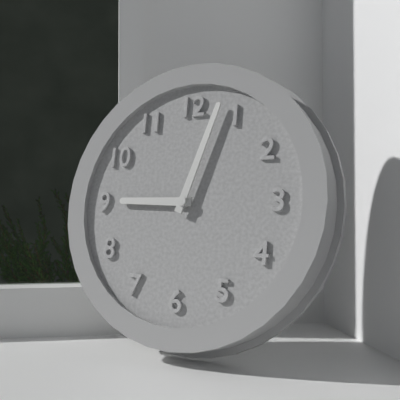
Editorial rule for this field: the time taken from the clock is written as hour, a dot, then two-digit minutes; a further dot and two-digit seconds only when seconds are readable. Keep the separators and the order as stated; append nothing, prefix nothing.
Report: 9.03
